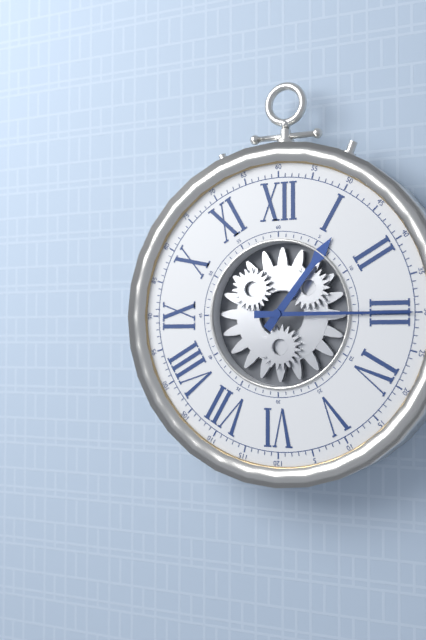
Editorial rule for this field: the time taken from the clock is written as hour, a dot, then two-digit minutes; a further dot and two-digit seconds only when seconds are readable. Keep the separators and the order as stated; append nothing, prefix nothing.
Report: 1.15
